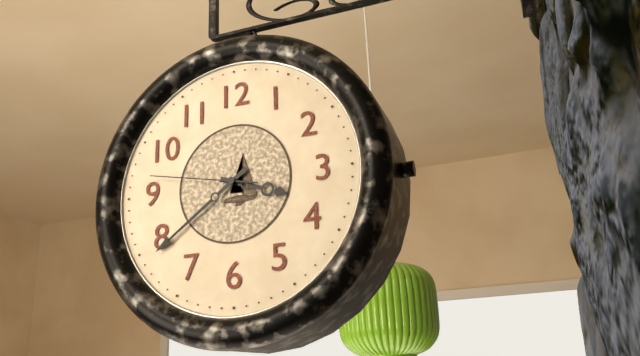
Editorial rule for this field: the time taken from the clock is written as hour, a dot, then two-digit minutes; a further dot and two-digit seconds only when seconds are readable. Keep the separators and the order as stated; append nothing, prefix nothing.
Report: 3.39.47
